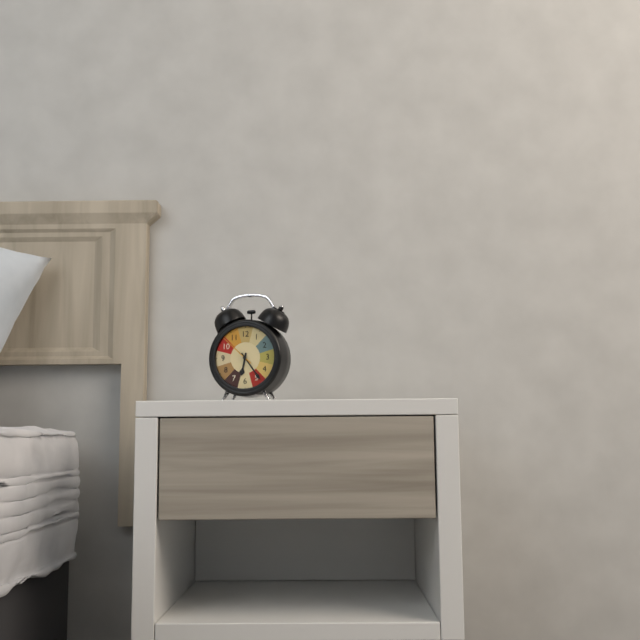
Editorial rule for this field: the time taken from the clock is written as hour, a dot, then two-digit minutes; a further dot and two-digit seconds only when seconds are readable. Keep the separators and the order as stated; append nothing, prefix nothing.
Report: 6.24
